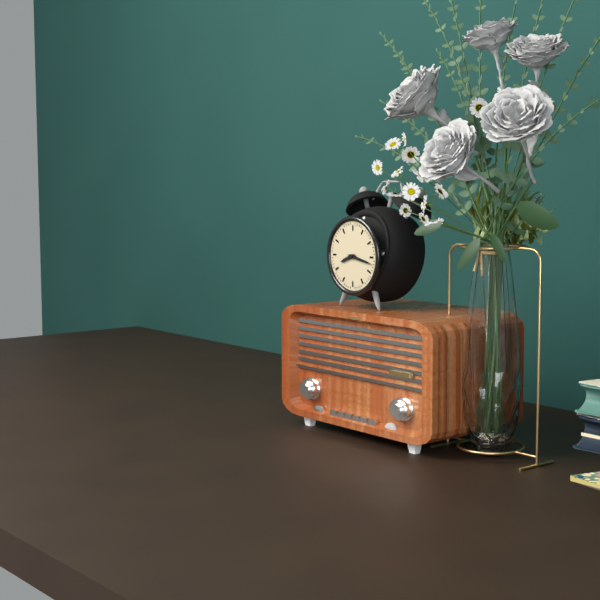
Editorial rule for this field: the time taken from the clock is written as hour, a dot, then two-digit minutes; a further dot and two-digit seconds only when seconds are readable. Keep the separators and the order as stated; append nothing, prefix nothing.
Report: 8.17
